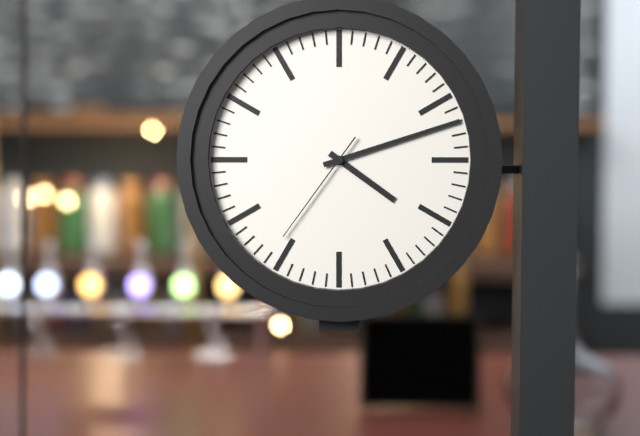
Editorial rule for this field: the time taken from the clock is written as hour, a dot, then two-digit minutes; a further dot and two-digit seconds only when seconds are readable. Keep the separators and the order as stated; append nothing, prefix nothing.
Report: 4.12.36
